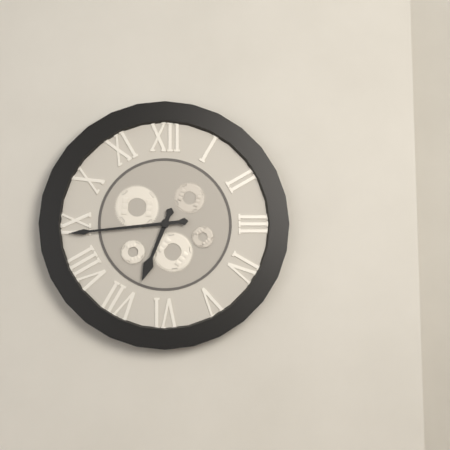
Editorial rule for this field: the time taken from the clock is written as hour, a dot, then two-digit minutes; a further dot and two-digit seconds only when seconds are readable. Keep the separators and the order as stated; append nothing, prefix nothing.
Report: 6.44
